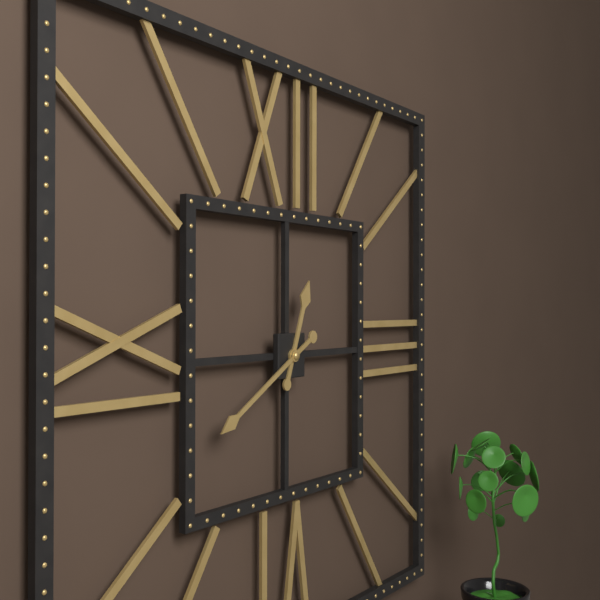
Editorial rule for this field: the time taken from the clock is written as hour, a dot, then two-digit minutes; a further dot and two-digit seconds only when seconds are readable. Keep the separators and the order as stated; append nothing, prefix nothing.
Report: 12.40
